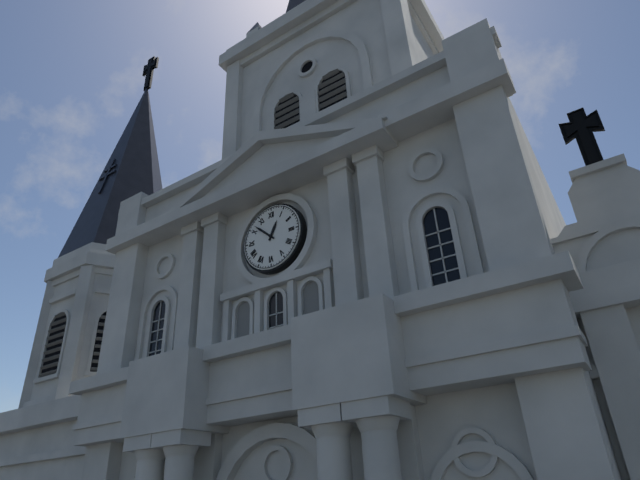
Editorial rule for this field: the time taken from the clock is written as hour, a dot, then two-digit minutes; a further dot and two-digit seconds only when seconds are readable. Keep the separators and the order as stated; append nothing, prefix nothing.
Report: 12.52
